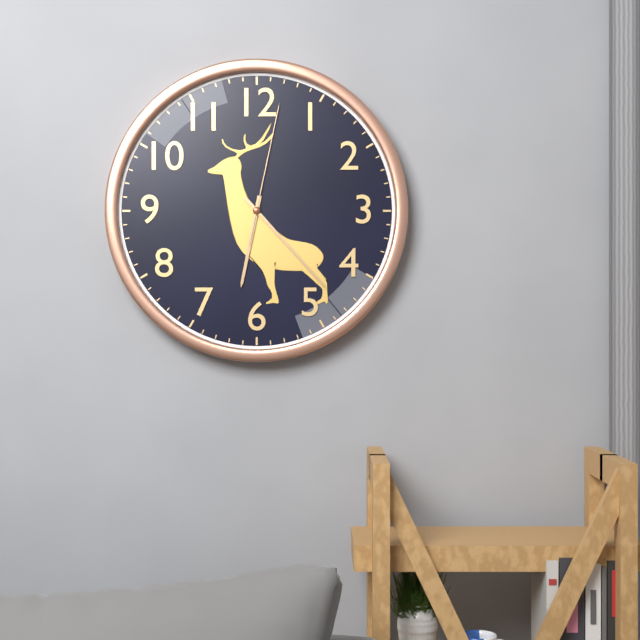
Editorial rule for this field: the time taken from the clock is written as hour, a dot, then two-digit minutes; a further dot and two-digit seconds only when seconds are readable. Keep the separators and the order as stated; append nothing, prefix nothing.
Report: 6.23.02
